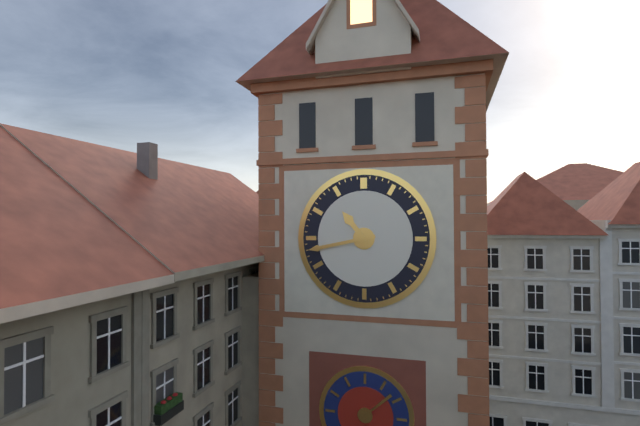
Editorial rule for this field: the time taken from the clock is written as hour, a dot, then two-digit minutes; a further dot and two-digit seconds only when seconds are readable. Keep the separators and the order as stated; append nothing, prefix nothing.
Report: 10.43
